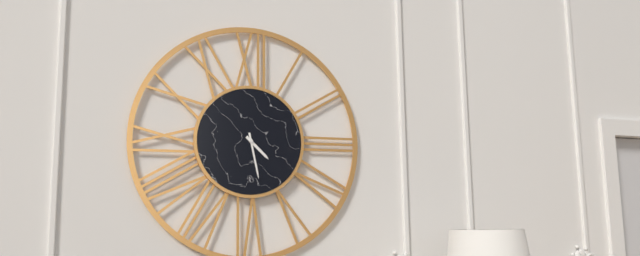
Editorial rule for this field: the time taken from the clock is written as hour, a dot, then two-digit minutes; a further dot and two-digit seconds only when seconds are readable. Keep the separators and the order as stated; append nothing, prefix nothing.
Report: 4.28
